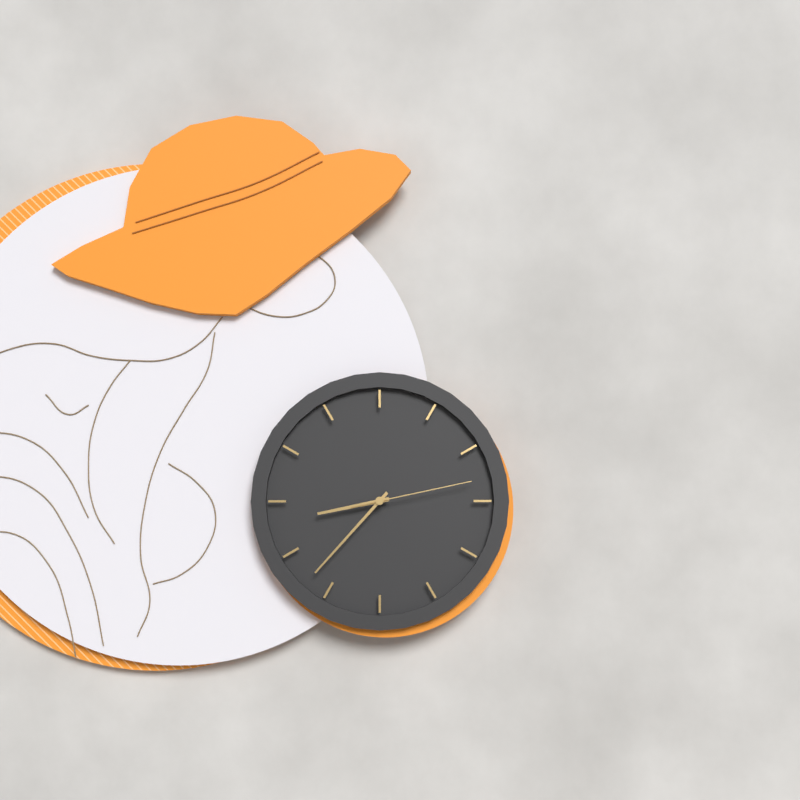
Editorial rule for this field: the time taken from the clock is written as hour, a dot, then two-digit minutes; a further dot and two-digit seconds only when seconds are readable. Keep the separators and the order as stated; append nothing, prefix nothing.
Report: 8.37.13
